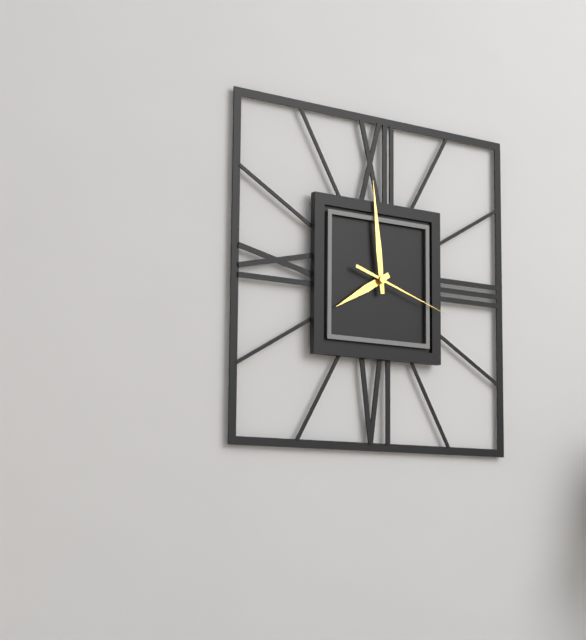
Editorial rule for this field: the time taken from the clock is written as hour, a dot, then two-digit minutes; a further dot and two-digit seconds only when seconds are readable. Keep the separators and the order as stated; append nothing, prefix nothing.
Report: 7.59.18
